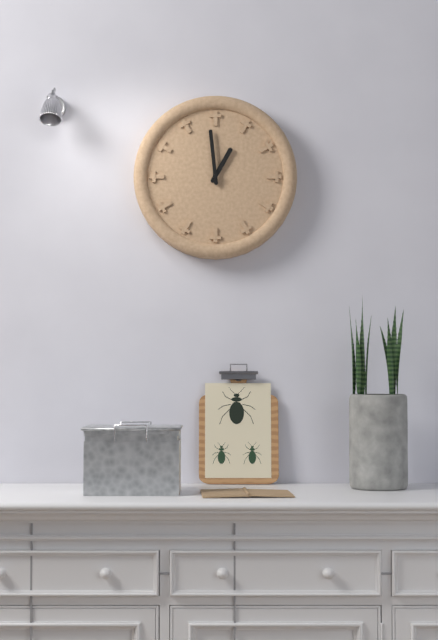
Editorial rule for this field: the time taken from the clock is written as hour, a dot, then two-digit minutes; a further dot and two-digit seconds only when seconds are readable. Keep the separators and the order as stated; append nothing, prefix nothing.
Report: 12.59
